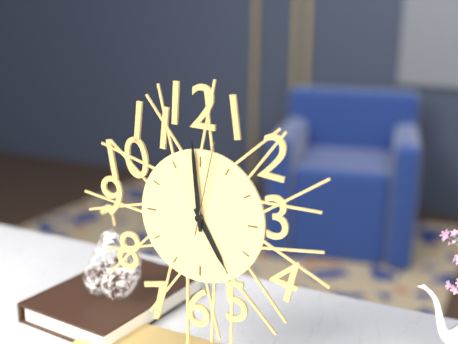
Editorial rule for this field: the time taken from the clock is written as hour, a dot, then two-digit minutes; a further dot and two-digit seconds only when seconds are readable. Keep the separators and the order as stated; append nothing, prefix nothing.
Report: 4.59.02
